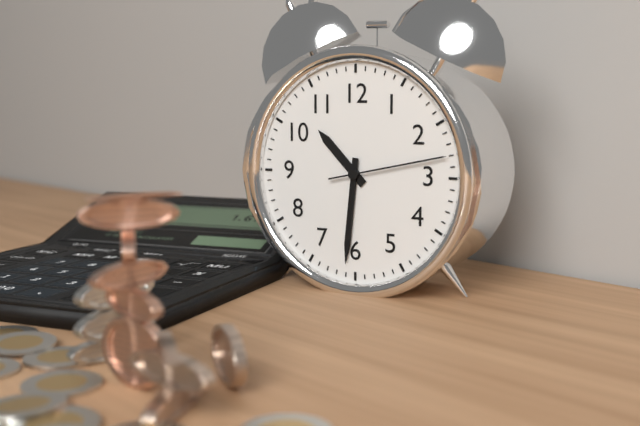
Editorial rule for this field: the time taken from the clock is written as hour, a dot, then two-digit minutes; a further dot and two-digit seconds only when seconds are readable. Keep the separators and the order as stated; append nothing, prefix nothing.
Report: 10.31.13
